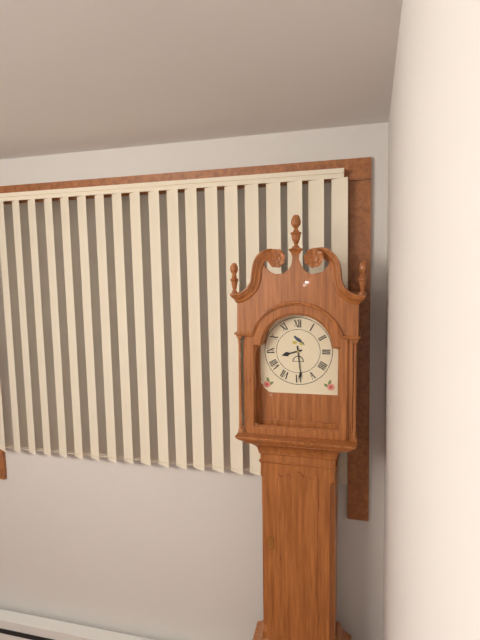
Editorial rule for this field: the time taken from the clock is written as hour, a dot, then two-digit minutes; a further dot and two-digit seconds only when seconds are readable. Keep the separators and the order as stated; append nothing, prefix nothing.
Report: 8.29
